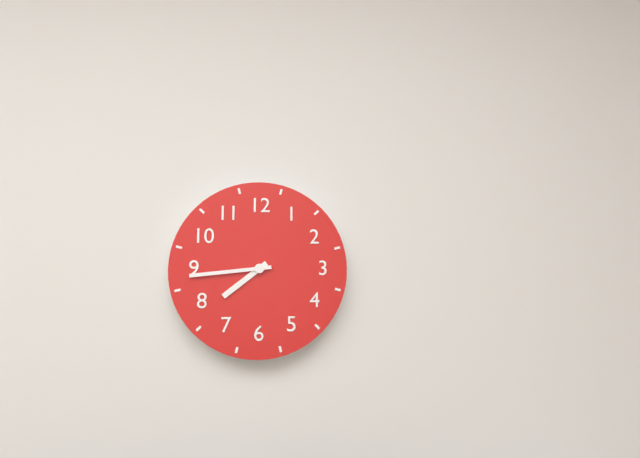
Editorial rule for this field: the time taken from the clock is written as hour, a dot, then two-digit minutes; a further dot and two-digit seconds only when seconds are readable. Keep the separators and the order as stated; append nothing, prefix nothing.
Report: 7.44
